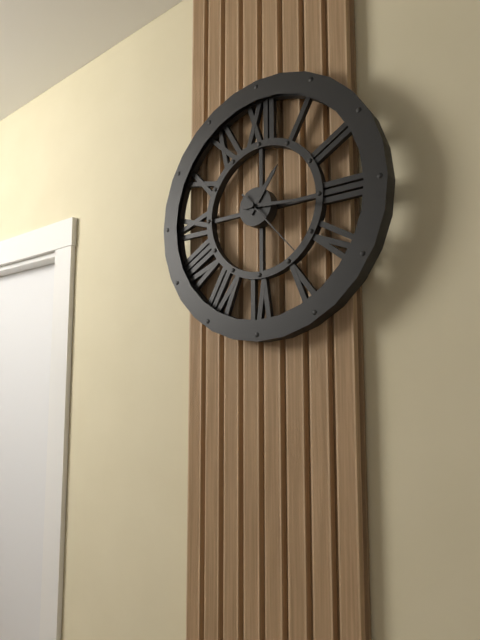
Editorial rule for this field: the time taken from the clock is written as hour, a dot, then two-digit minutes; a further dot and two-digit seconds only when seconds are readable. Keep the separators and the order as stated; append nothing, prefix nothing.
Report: 1.16.23
